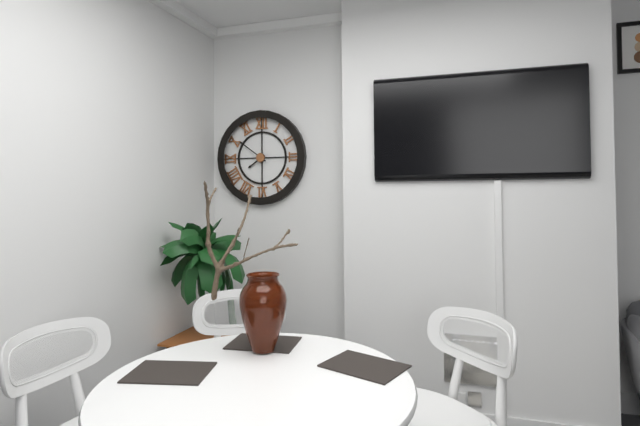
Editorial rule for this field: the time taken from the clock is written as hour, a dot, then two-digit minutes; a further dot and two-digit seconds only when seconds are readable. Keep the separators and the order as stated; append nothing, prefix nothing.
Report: 7.51
